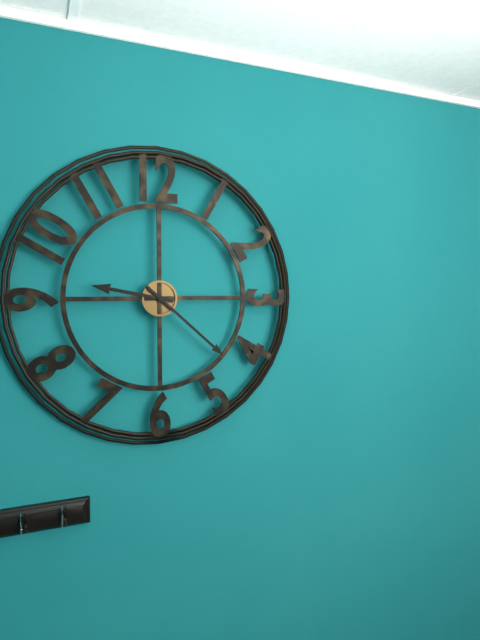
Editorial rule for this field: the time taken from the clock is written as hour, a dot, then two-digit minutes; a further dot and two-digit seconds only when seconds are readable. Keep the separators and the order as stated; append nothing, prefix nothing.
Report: 9.22
